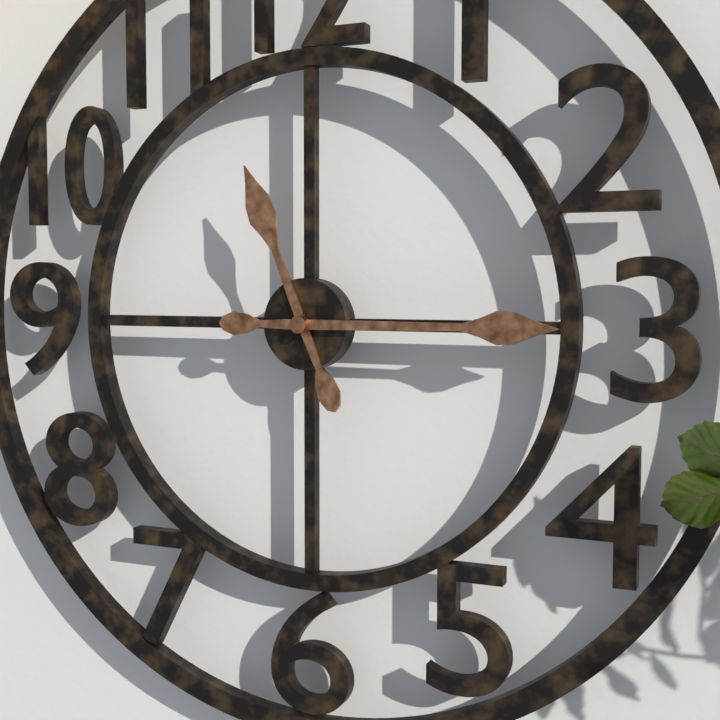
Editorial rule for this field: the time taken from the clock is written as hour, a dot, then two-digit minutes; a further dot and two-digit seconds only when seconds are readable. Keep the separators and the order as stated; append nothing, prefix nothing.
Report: 11.15
